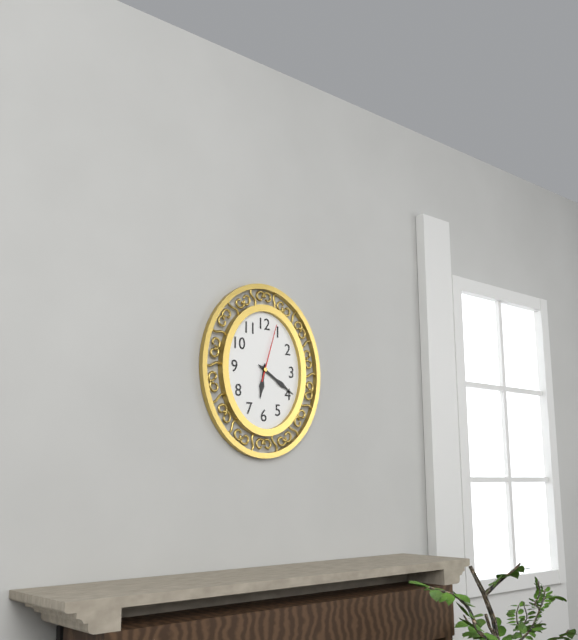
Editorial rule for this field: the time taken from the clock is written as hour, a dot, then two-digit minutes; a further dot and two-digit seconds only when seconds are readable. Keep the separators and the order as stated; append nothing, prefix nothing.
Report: 6.20.03
